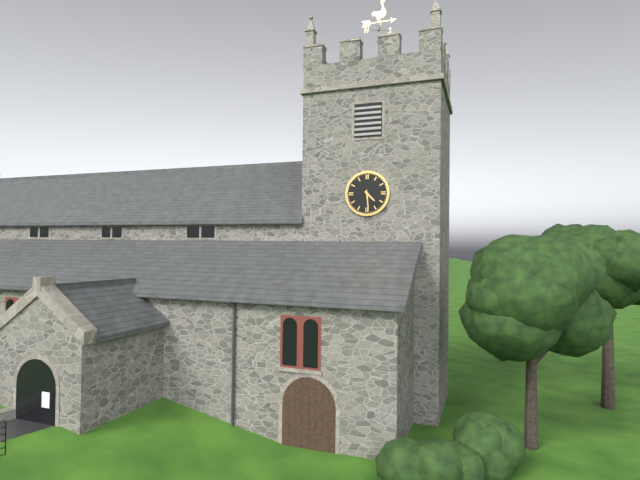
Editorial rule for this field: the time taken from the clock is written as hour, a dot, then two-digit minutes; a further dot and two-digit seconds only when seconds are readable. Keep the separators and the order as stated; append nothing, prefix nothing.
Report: 4.29
